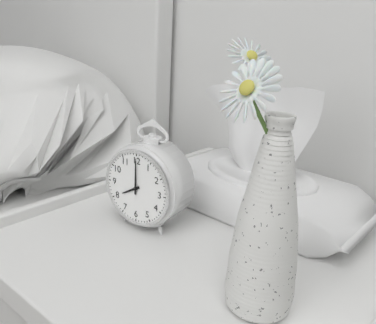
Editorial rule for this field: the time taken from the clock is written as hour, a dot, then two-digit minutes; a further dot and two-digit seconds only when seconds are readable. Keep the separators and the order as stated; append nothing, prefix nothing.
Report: 8.00
